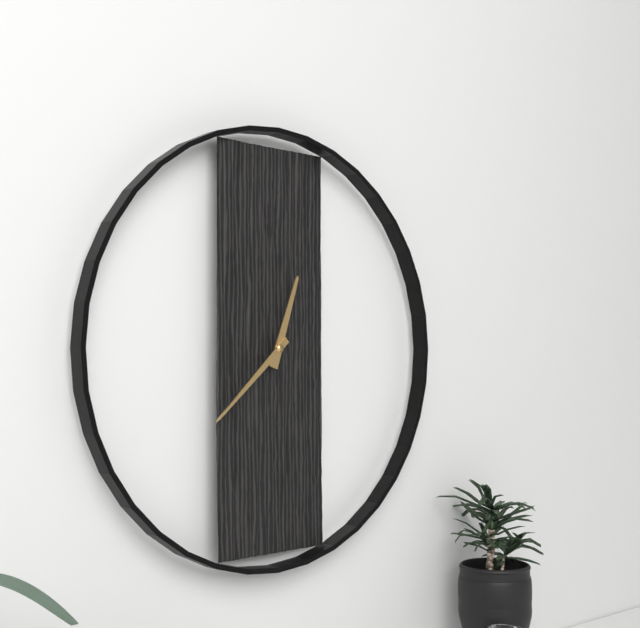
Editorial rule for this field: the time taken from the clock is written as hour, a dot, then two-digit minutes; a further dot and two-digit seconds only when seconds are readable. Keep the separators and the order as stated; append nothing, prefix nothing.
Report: 12.38
